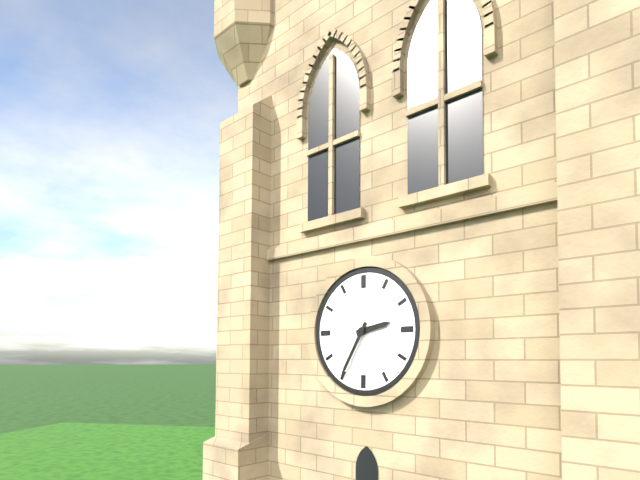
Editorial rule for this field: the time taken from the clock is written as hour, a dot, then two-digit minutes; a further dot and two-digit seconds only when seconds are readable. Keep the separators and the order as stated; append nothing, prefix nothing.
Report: 2.35
